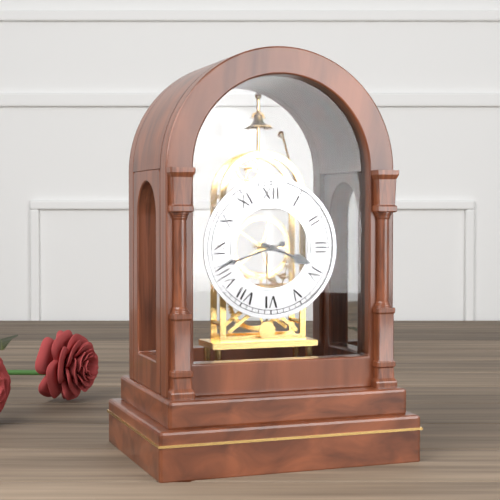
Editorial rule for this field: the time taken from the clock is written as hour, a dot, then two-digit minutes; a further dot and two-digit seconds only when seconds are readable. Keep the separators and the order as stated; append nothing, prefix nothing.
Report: 3.42
